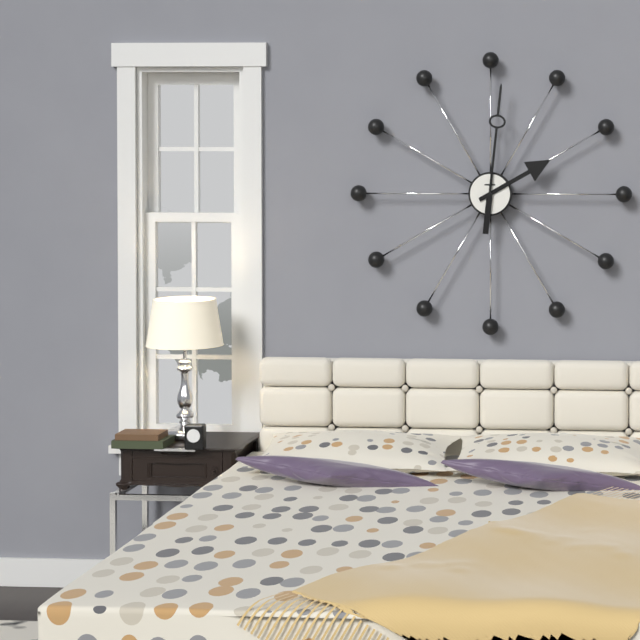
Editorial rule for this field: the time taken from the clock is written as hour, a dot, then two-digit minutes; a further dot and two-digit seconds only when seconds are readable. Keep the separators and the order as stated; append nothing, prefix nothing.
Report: 2.01
